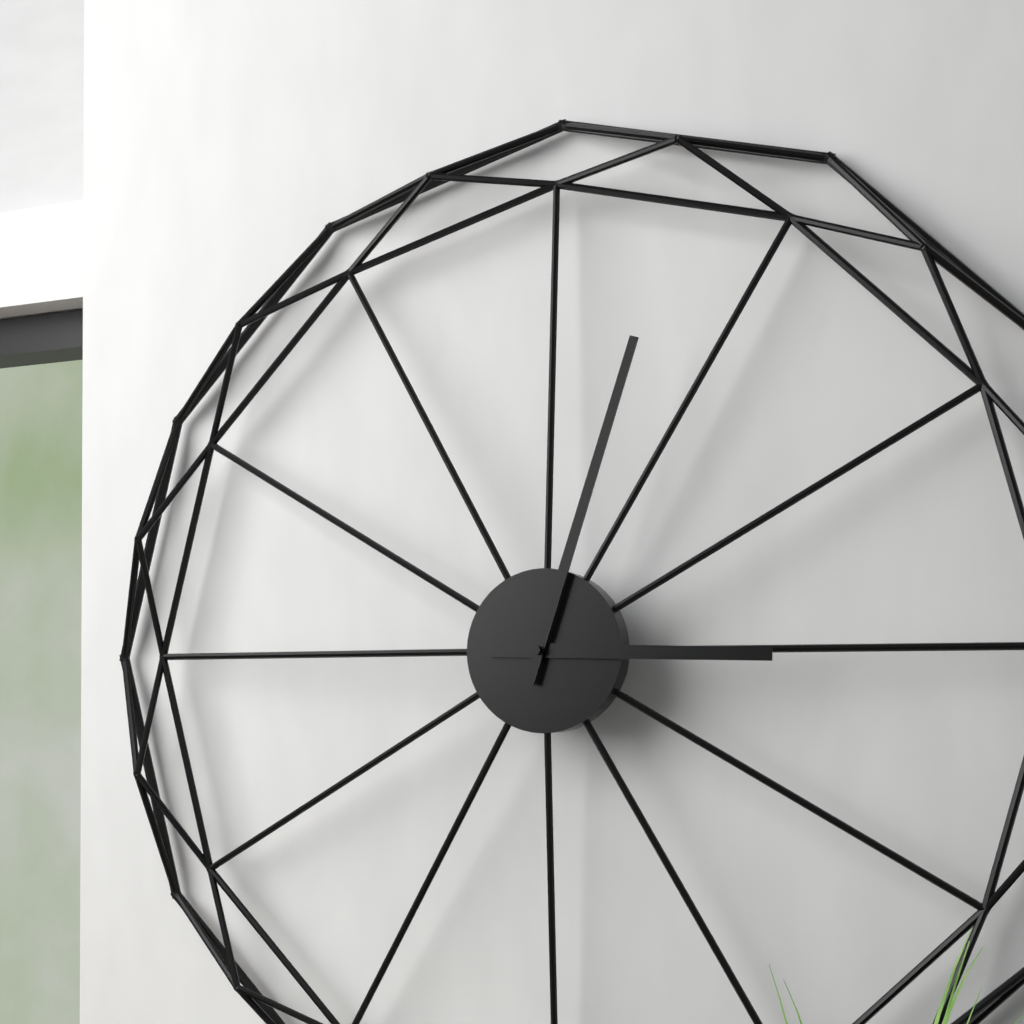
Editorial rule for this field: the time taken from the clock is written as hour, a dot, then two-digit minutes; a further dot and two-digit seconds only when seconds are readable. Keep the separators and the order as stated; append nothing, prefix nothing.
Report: 3.03
